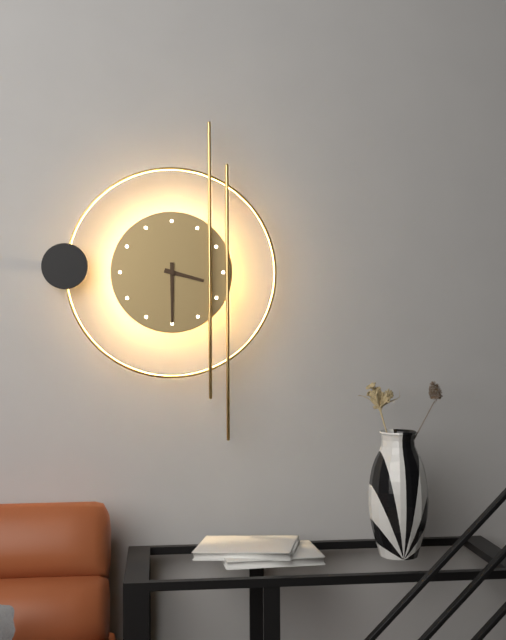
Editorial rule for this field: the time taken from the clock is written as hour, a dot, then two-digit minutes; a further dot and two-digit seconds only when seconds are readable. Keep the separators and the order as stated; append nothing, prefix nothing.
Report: 3.30
